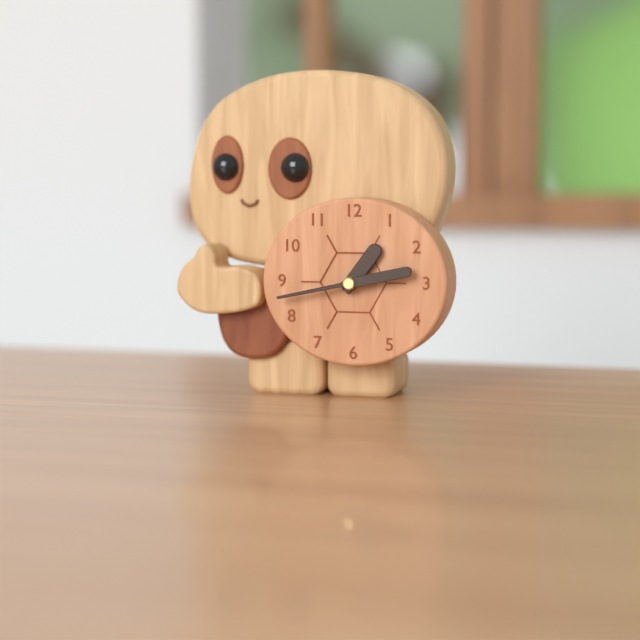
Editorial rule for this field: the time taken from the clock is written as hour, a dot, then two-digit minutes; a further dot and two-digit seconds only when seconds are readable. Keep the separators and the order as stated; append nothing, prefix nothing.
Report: 1.13
